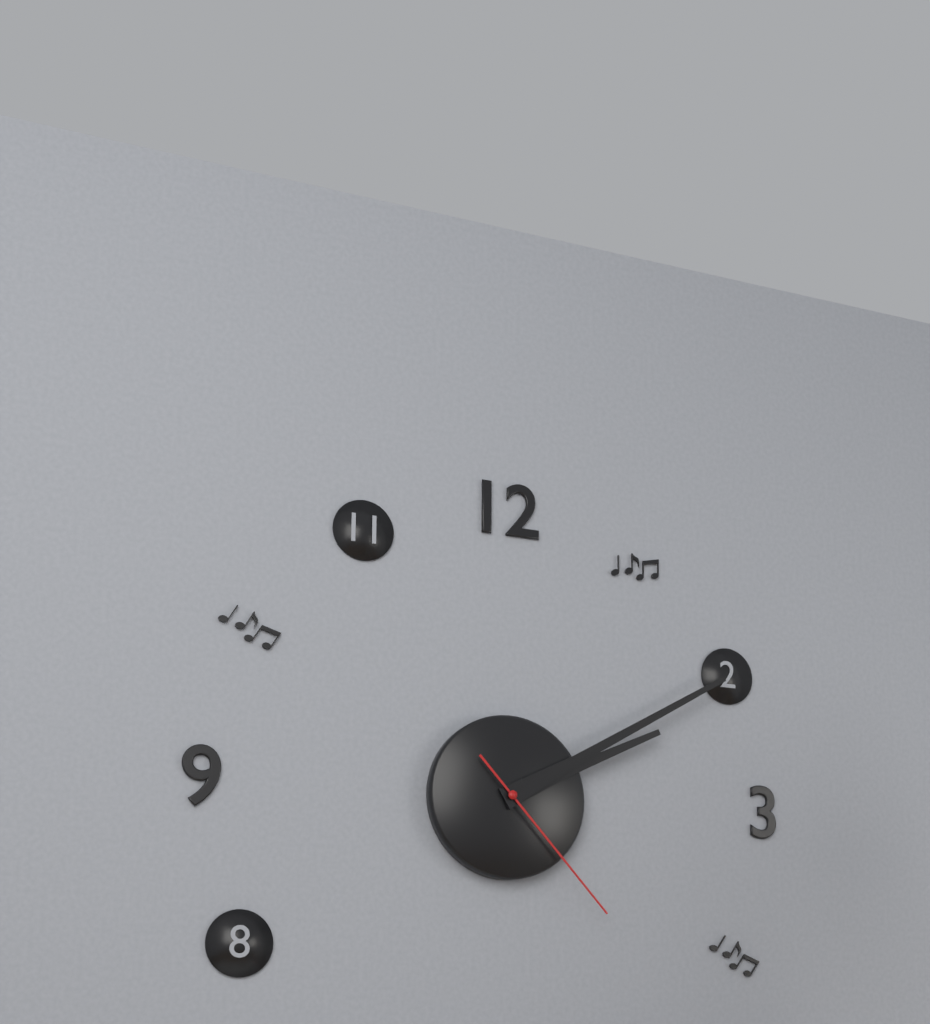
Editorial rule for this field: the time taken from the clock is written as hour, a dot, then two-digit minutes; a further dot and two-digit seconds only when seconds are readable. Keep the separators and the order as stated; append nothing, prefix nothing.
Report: 2.10.23
